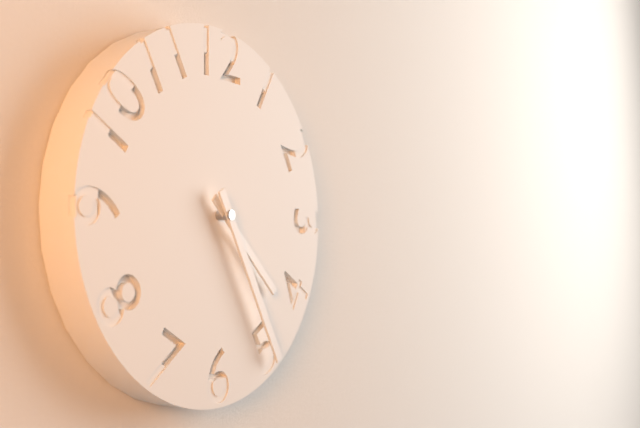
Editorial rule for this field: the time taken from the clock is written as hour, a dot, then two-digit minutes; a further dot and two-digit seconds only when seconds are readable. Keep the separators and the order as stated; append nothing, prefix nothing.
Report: 4.25
